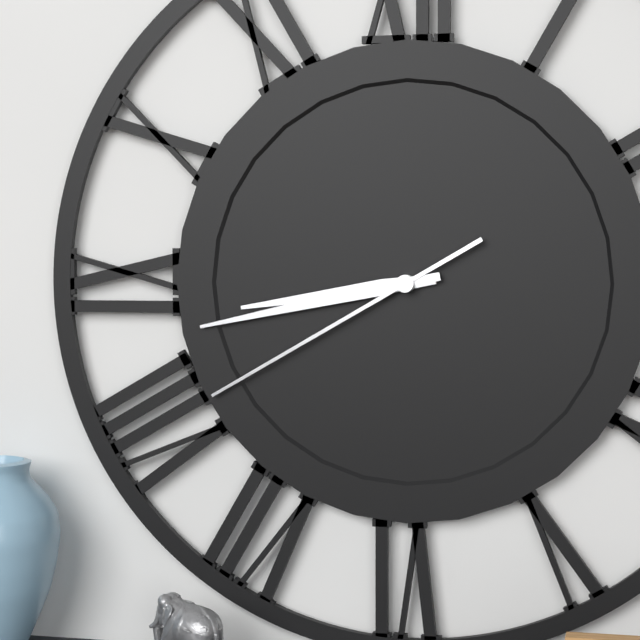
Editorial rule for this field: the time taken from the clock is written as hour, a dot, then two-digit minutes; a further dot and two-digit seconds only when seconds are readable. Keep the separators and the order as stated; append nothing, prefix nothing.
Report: 8.43.40
